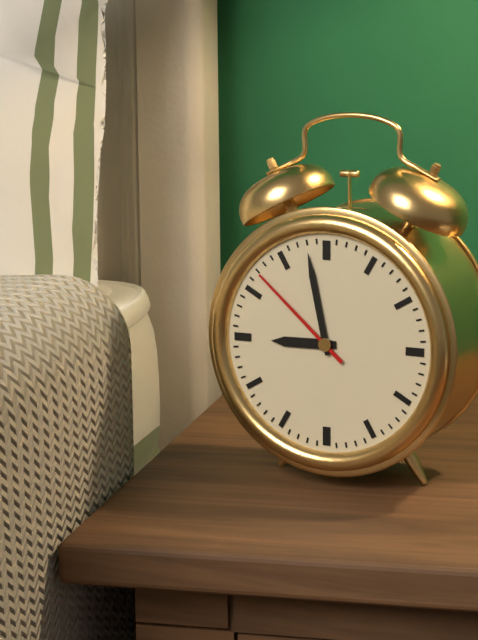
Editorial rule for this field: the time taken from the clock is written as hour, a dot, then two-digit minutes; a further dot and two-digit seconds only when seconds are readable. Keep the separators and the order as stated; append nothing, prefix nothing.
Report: 8.58.52
